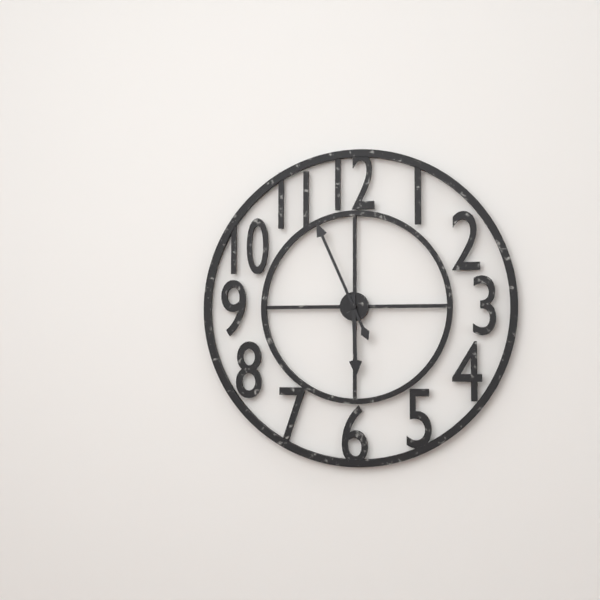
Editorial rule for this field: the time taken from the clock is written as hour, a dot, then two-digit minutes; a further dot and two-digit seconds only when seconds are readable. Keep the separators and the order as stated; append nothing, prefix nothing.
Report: 5.56
